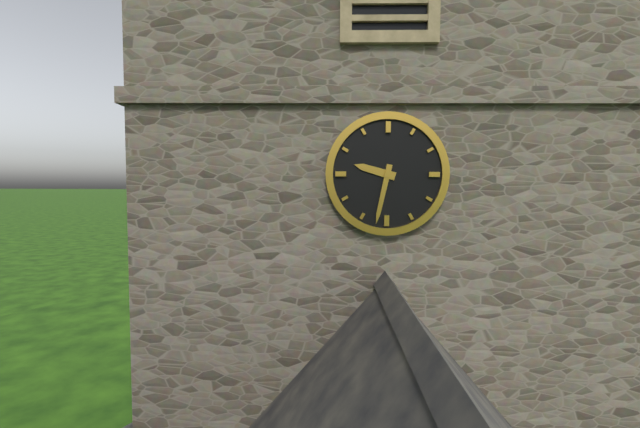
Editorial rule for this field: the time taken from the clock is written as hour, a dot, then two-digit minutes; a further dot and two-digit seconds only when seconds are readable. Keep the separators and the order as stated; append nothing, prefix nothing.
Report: 9.32
